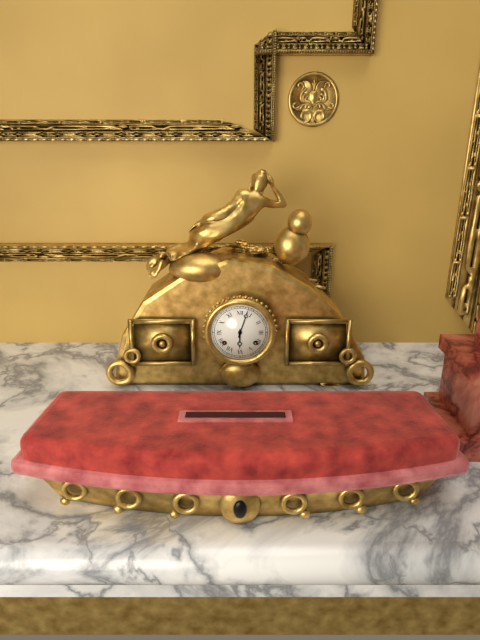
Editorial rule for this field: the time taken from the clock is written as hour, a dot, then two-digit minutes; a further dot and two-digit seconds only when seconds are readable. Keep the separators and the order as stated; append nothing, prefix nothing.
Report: 6.03
